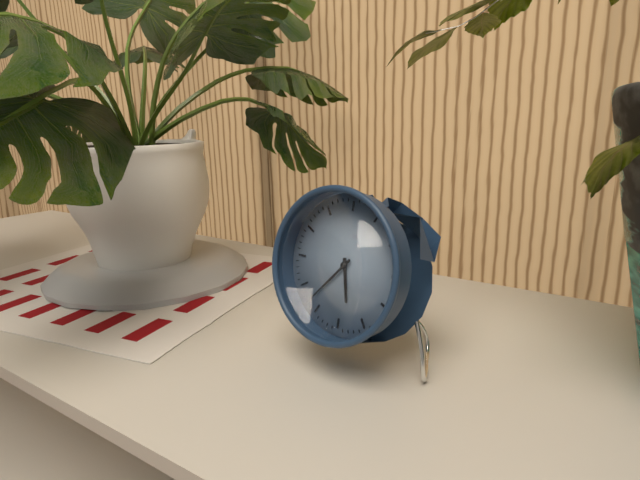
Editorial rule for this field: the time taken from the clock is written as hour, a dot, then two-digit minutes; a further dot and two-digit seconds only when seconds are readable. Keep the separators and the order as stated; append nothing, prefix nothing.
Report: 5.37
